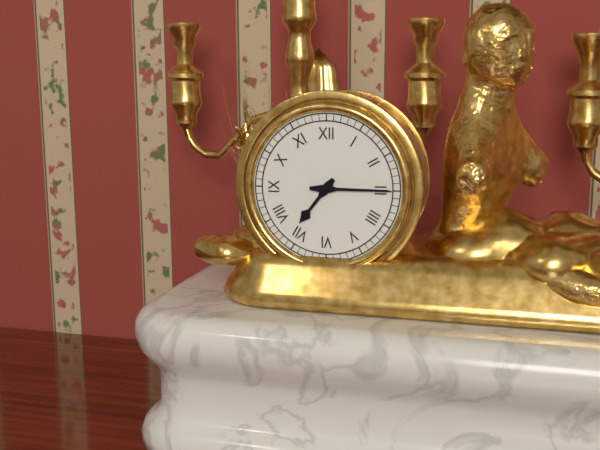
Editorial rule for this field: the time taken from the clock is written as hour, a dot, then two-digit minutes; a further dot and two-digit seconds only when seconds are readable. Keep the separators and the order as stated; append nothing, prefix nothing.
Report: 7.15
